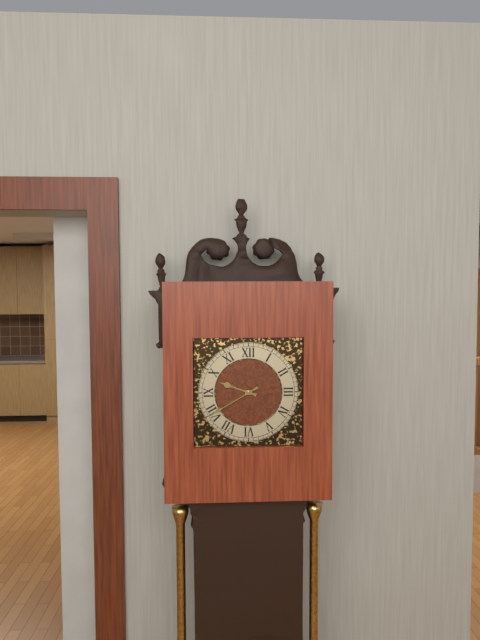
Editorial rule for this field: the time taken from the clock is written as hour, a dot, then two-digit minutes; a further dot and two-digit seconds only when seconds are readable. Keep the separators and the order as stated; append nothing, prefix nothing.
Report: 9.40
